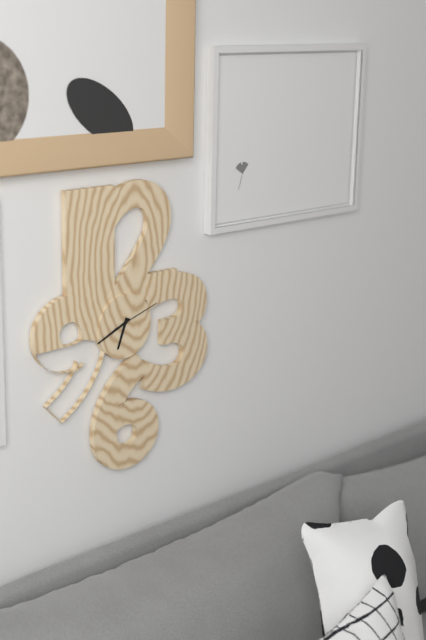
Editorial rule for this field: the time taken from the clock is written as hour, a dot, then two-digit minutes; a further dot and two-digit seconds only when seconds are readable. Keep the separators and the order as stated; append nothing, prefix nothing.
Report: 6.41
